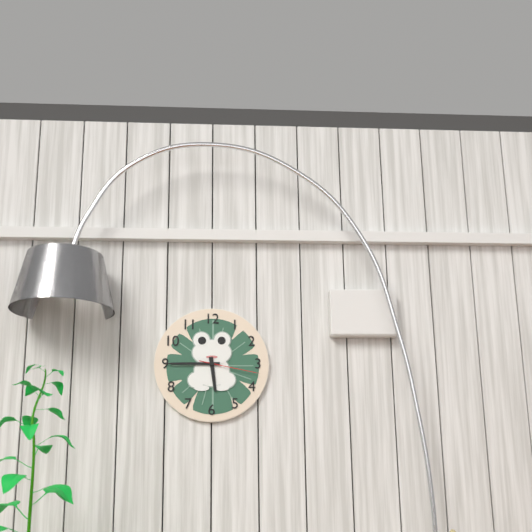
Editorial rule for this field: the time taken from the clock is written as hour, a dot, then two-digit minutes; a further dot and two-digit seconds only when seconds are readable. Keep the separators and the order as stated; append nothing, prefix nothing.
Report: 5.45.17
